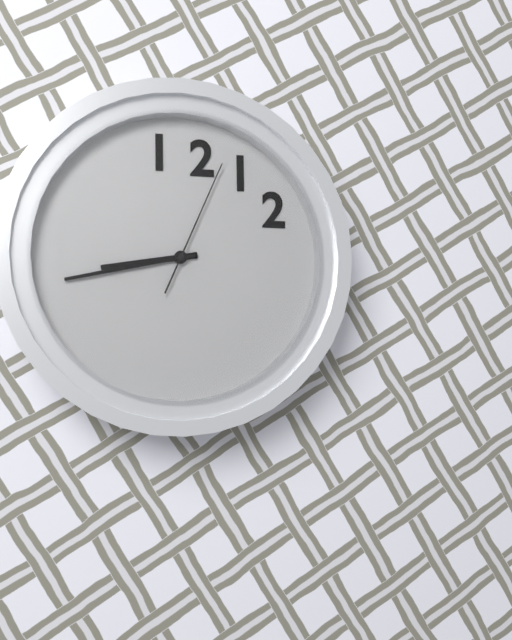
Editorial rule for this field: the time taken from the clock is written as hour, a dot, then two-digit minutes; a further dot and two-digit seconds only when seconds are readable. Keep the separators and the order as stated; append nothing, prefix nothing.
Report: 8.43.04
